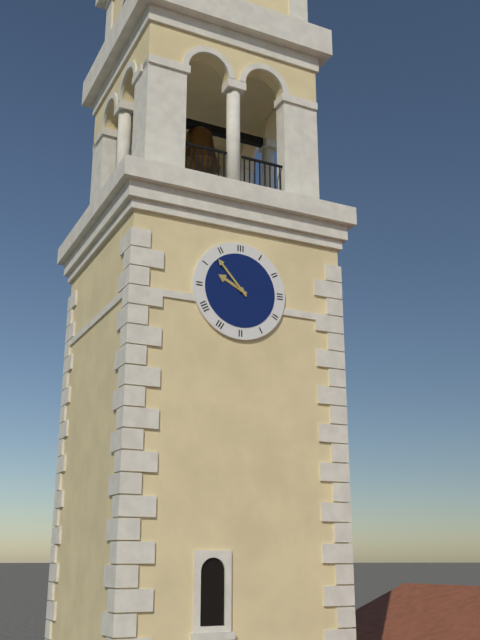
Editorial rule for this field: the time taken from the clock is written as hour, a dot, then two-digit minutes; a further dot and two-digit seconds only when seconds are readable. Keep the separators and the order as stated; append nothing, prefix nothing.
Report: 9.53
